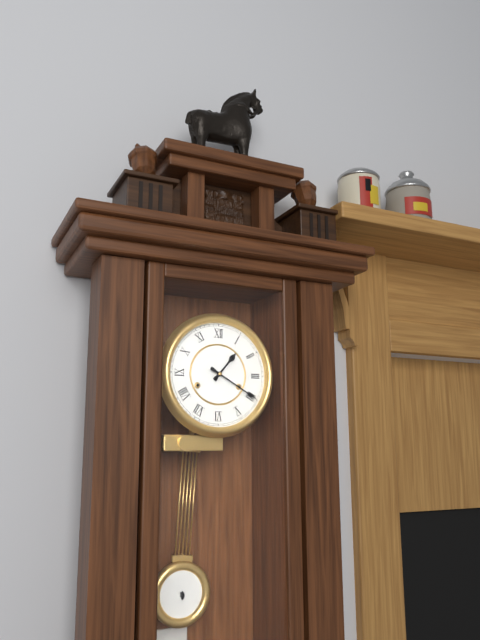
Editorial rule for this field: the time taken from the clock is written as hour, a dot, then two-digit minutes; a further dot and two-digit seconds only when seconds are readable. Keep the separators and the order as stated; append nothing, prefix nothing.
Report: 1.20
